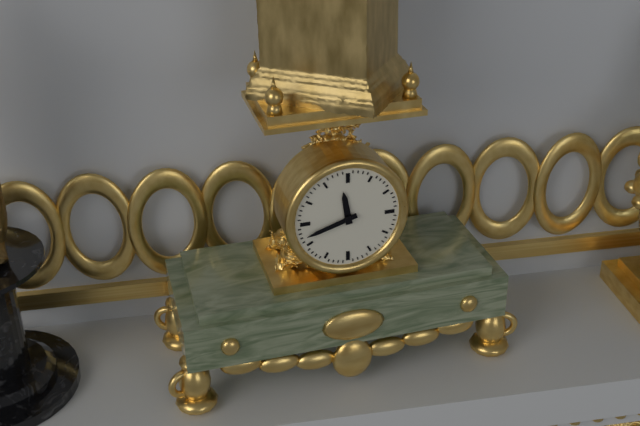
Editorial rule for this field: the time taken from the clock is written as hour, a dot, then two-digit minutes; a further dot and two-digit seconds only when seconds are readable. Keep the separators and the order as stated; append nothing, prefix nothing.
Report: 11.42
